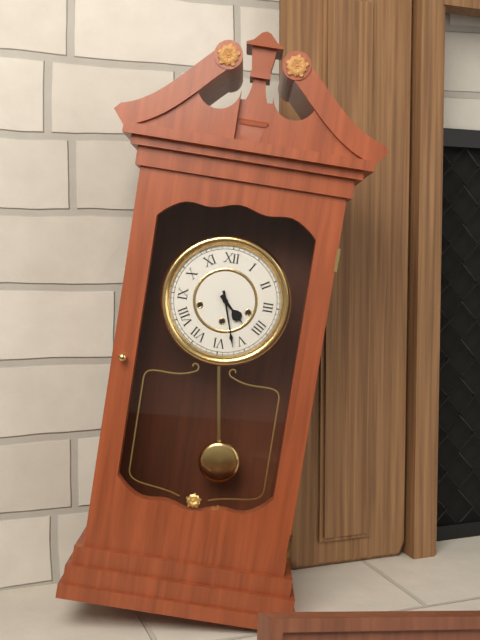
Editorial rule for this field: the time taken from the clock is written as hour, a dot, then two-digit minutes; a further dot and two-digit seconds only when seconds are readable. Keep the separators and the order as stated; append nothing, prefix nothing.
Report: 4.27
